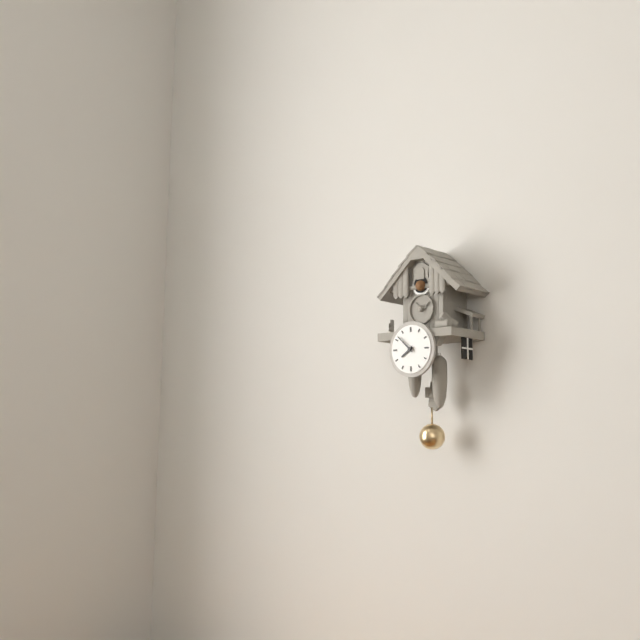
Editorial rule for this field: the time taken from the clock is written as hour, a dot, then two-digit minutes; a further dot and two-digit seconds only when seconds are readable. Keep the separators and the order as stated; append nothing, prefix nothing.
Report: 7.52
